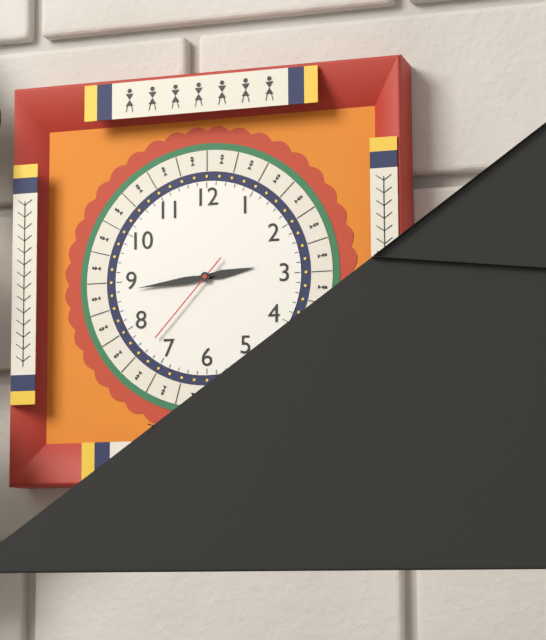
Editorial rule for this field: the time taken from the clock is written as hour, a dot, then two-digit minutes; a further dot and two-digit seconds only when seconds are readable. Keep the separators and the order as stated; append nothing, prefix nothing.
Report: 2.44.37
